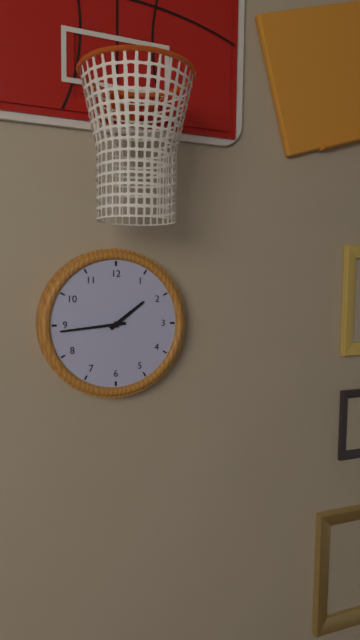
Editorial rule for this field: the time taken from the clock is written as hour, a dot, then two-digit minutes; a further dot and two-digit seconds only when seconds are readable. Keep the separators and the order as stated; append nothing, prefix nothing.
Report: 1.44
